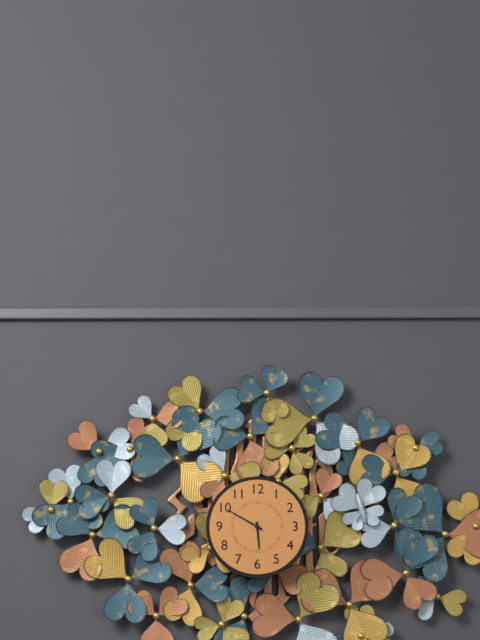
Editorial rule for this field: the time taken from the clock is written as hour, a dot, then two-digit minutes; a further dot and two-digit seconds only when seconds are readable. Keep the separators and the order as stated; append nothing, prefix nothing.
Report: 5.50
